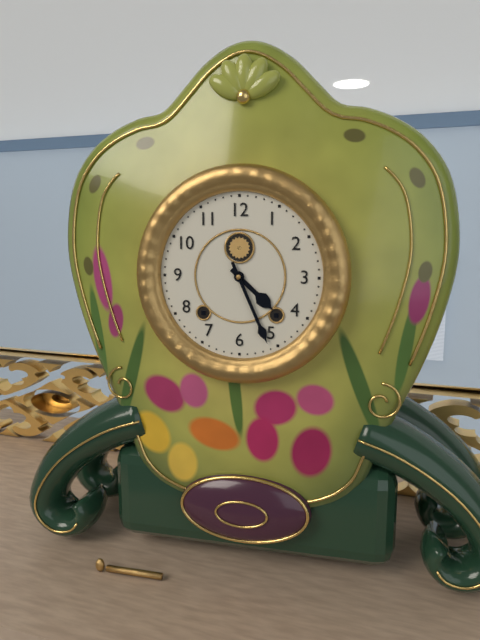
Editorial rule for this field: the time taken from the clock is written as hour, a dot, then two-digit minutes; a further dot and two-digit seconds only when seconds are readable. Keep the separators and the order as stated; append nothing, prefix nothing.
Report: 4.26
